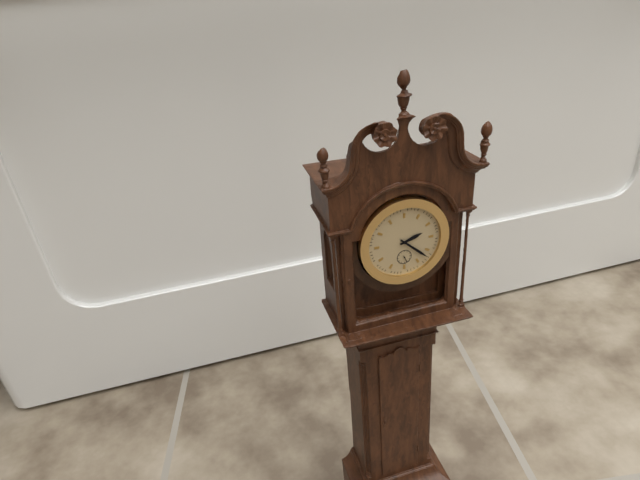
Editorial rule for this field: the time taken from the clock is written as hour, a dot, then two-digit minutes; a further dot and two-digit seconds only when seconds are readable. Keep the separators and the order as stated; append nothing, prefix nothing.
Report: 2.22
